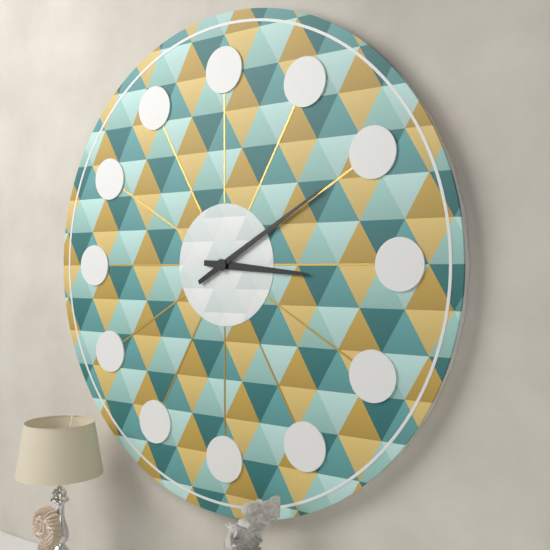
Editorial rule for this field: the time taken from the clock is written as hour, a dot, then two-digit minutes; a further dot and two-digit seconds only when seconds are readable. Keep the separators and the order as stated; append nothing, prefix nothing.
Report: 3.10
